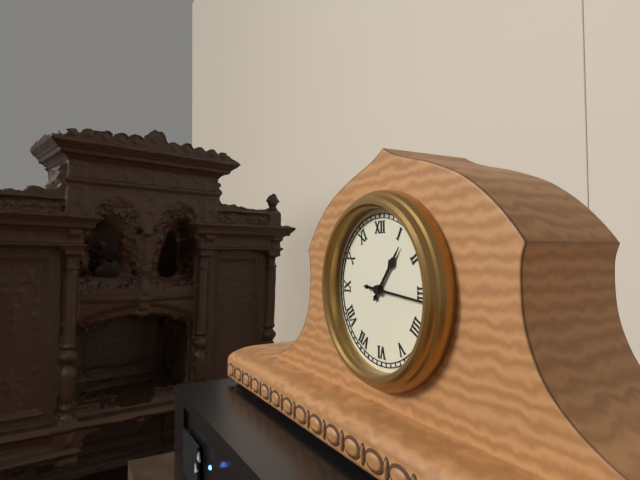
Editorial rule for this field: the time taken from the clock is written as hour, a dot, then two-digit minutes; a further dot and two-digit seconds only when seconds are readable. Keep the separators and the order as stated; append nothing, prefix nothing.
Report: 1.16
